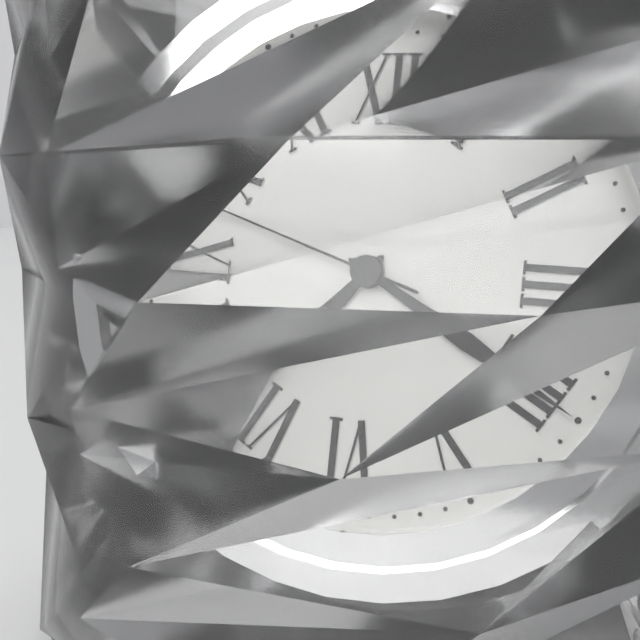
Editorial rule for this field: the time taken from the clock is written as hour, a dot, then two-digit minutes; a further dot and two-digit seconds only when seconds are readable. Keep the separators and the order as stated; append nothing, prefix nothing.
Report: 7.20.48
